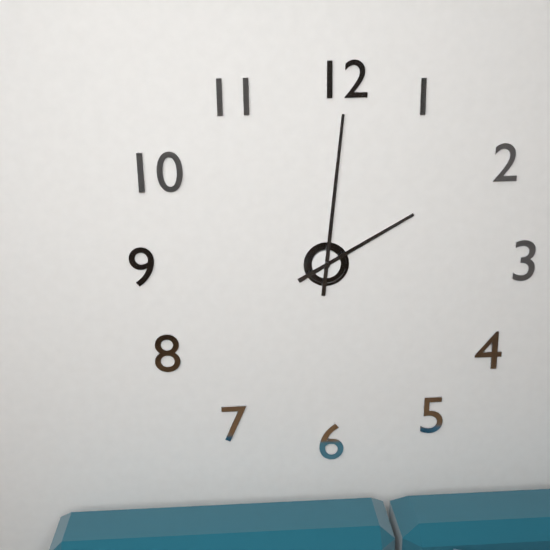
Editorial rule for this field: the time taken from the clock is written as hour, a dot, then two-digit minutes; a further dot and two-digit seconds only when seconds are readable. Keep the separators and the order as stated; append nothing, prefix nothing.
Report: 2.01
